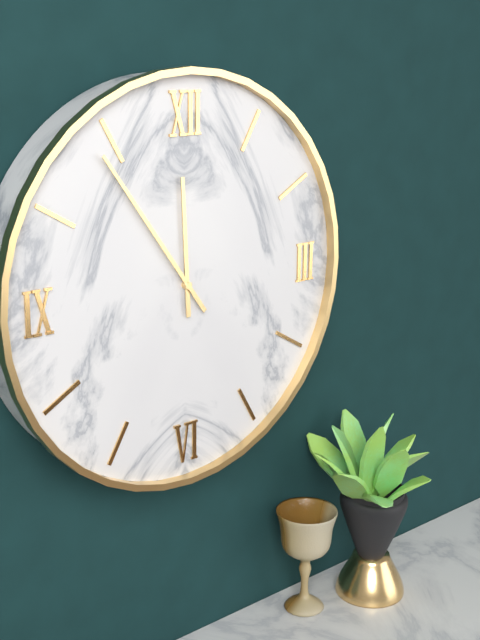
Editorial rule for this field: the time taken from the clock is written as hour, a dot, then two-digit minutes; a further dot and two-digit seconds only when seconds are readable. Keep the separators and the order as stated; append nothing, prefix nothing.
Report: 11.54
